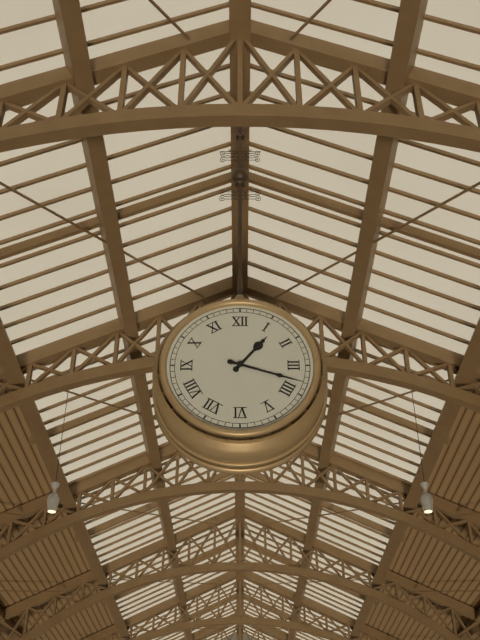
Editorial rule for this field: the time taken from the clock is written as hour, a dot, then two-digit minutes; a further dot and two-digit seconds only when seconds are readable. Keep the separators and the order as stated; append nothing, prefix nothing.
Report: 1.18
